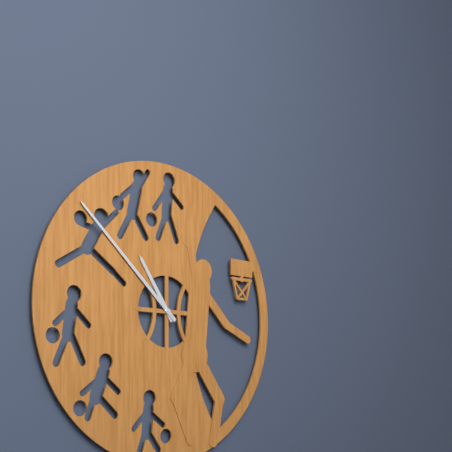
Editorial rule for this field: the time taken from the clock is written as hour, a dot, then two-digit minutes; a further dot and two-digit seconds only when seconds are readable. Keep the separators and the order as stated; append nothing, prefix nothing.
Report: 10.52
